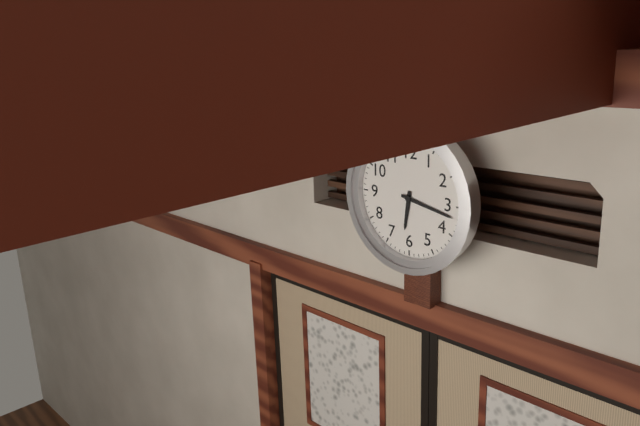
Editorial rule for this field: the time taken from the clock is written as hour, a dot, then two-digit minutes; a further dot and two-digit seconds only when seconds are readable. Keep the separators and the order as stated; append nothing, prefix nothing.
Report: 6.17
